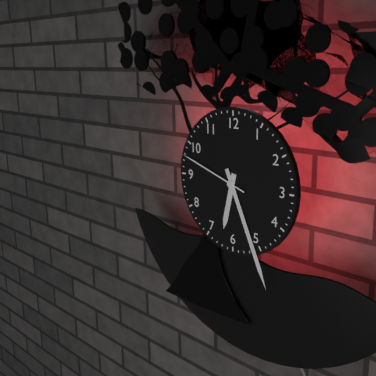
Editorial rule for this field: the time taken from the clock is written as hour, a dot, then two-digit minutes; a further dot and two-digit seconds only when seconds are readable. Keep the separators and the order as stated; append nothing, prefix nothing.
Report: 6.26.48
